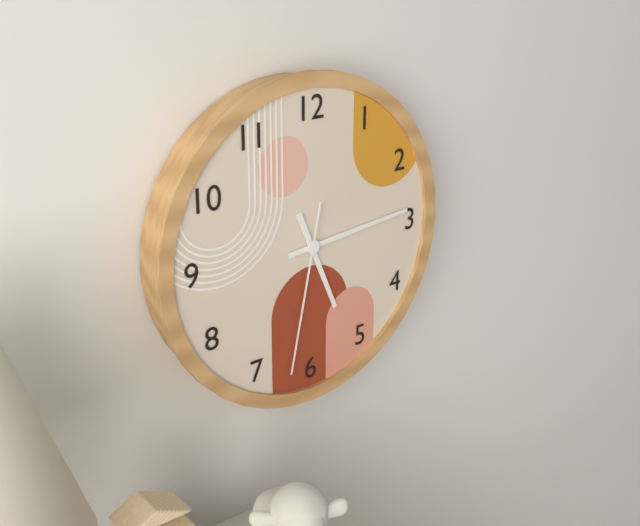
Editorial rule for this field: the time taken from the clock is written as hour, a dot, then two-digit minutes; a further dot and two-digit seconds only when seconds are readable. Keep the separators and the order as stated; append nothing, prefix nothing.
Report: 5.14.32
